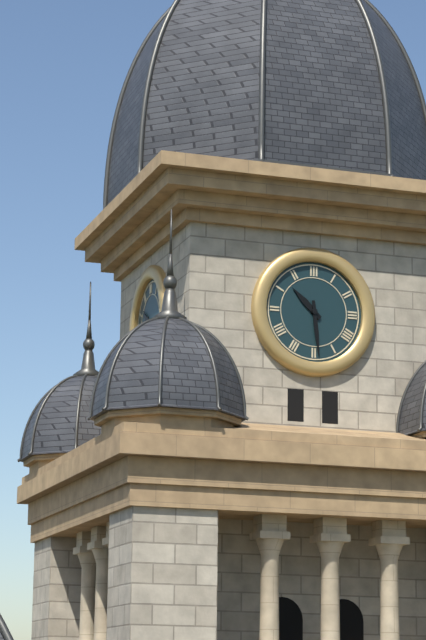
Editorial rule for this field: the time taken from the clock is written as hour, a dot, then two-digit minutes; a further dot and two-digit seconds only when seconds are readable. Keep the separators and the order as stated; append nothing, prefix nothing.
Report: 10.29
